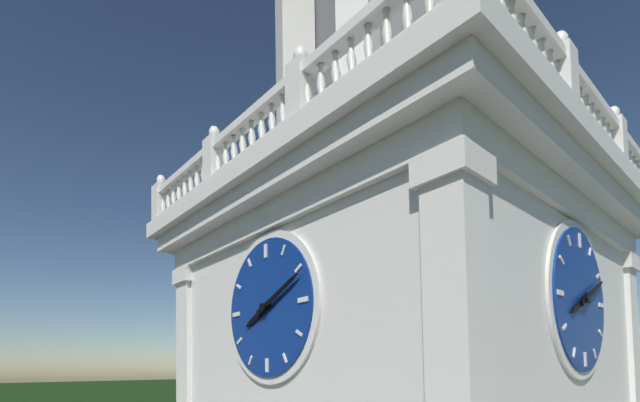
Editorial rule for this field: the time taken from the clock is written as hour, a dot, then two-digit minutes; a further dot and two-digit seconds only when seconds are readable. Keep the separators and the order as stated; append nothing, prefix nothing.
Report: 8.11
